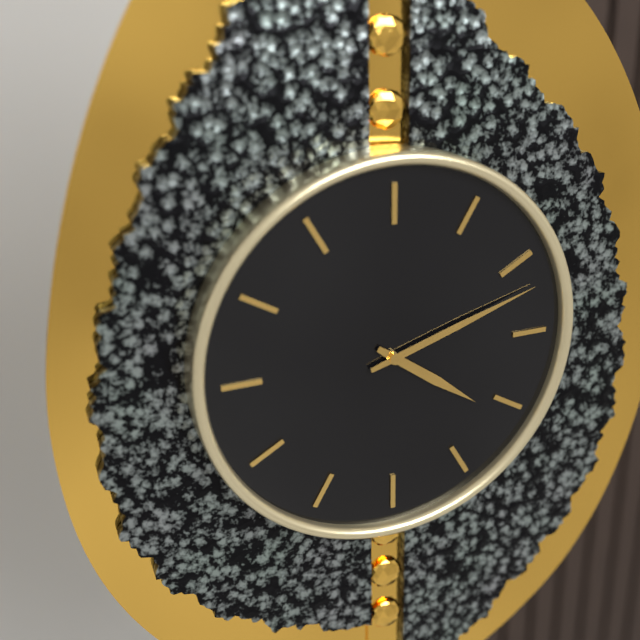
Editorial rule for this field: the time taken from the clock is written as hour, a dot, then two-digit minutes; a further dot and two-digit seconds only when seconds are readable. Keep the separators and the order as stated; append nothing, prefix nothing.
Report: 4.12
